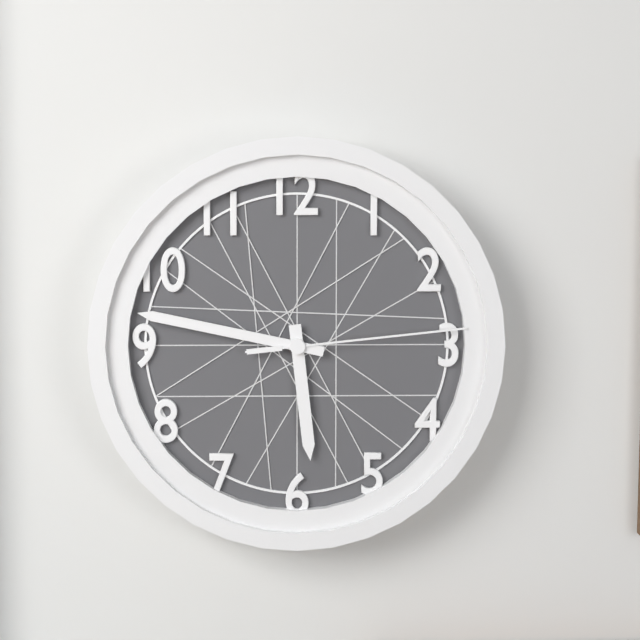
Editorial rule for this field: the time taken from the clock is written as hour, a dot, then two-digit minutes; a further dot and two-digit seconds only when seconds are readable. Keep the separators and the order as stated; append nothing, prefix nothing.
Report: 5.47.14
